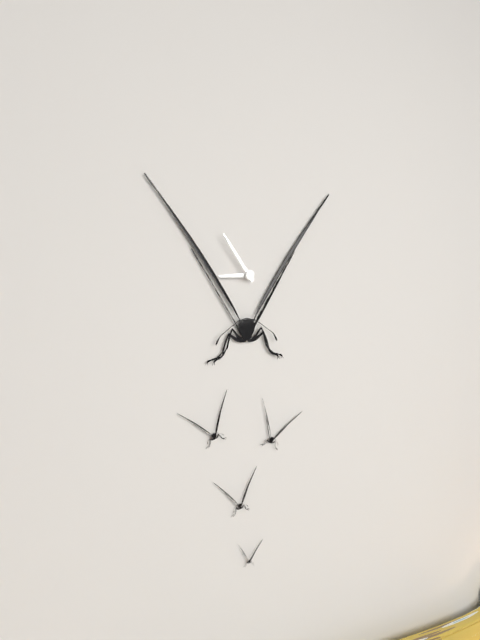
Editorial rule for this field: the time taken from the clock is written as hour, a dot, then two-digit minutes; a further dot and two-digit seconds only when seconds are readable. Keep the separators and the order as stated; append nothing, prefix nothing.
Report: 8.54
